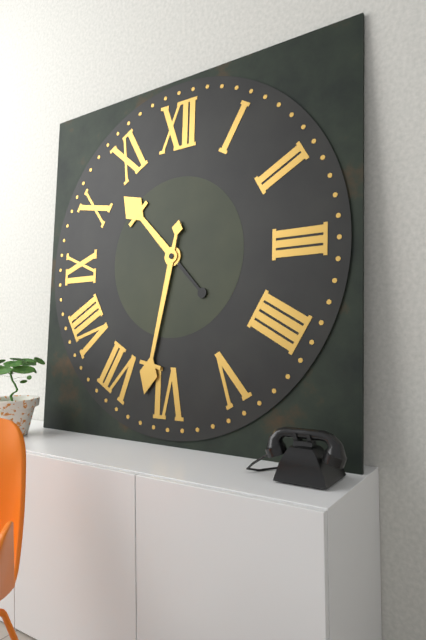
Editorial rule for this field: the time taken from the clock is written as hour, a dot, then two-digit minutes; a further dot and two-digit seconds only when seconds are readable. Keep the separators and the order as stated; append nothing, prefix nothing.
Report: 10.32
